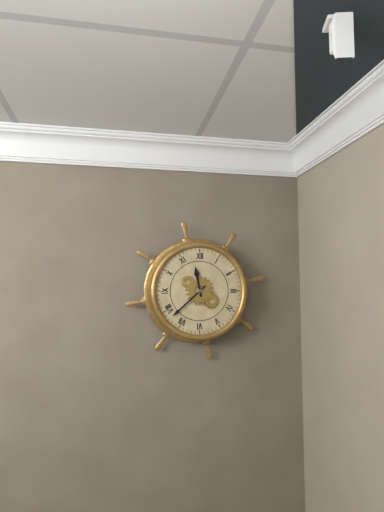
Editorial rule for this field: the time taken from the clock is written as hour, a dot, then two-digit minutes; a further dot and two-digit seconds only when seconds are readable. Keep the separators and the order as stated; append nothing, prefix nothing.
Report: 11.38
